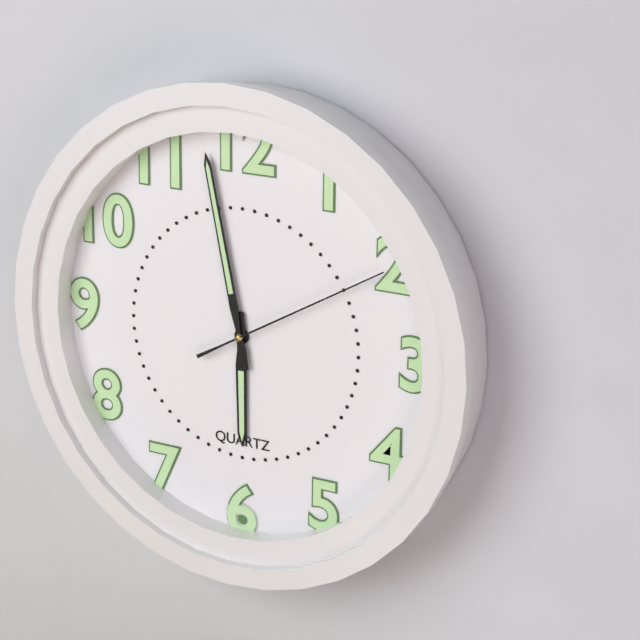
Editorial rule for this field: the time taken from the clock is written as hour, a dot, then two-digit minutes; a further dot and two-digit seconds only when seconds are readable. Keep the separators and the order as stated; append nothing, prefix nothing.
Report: 5.58.10
